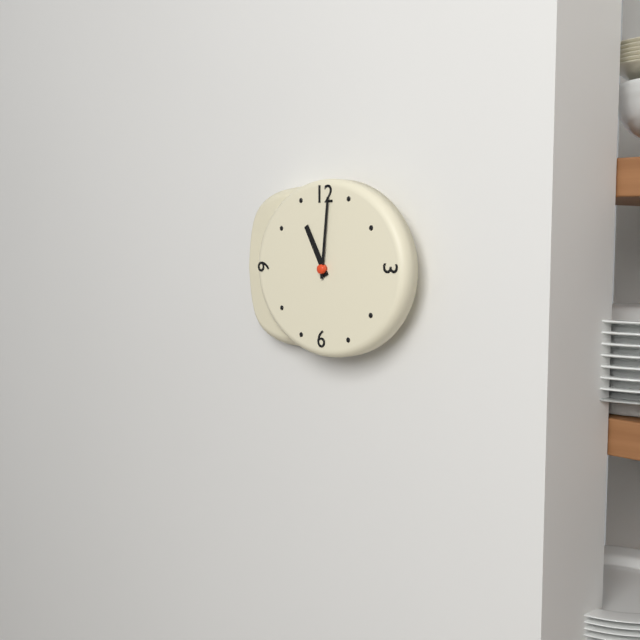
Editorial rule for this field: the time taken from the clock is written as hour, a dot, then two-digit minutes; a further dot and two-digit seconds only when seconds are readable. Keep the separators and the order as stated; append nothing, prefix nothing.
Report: 11.01
